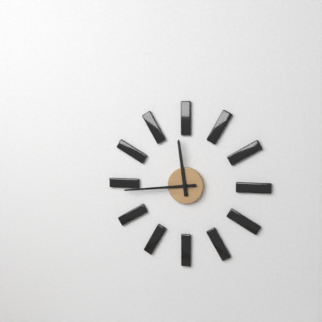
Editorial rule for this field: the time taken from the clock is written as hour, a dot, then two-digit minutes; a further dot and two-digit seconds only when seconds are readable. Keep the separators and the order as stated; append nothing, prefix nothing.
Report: 11.44
